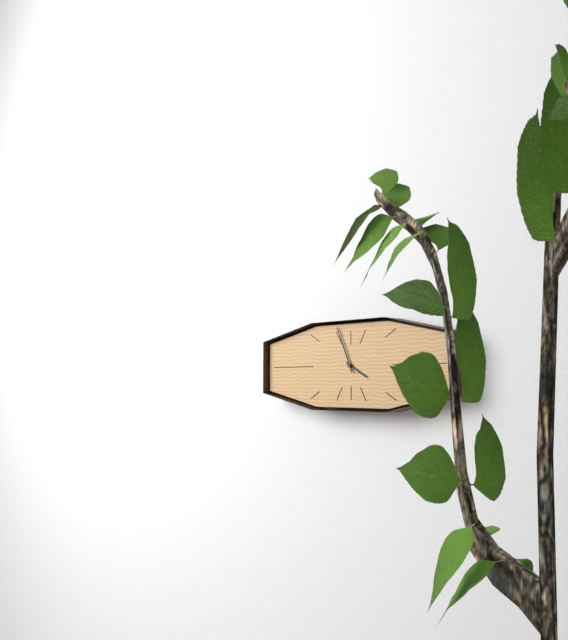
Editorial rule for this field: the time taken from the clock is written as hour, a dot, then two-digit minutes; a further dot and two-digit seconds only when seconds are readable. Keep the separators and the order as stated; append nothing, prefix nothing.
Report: 3.56
